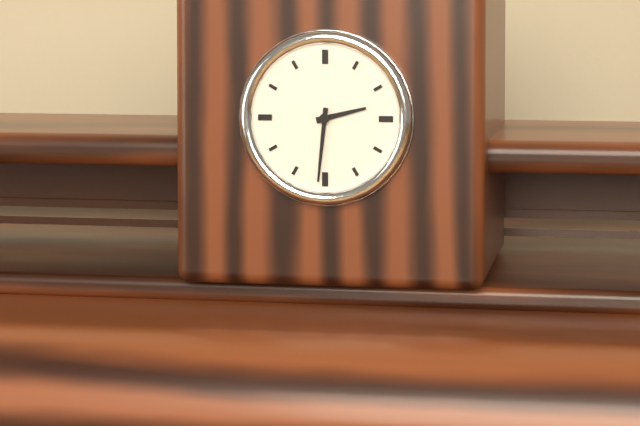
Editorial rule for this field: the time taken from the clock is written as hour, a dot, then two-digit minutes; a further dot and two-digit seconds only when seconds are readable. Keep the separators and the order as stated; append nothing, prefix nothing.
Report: 2.31
